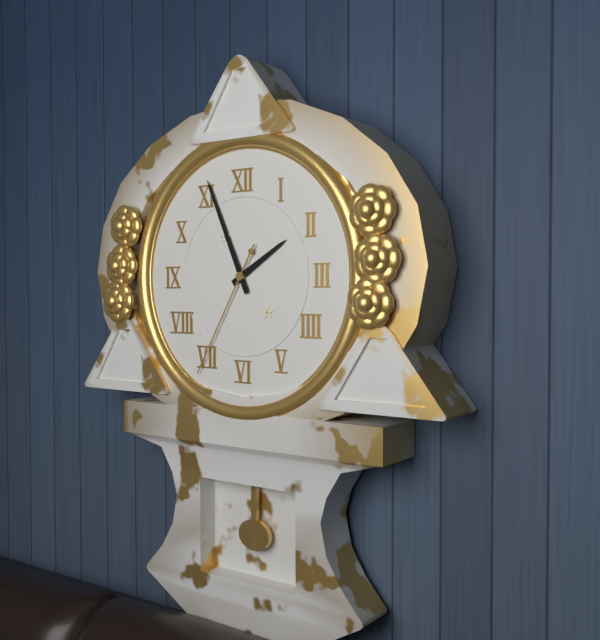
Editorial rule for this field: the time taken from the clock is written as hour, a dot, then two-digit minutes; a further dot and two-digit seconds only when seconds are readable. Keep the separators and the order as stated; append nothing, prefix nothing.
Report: 1.56.35
